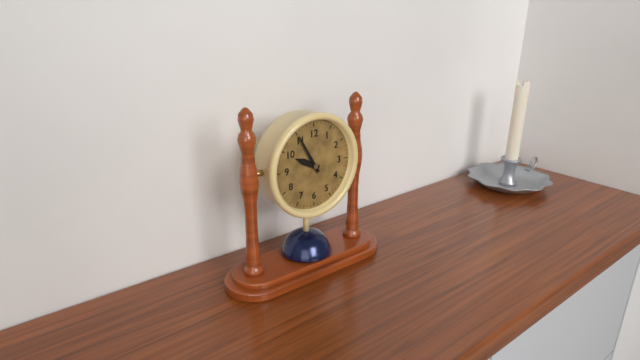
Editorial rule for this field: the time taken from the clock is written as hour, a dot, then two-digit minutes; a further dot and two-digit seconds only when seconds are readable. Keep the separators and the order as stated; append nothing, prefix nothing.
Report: 9.55
